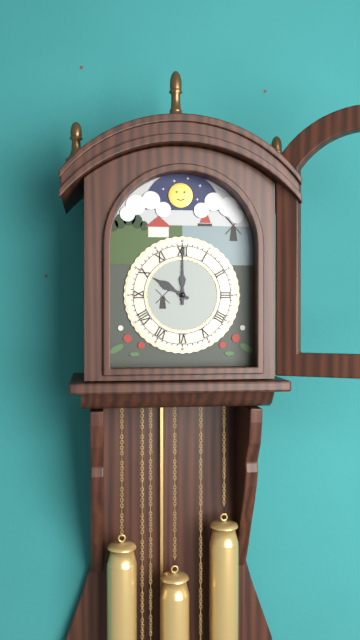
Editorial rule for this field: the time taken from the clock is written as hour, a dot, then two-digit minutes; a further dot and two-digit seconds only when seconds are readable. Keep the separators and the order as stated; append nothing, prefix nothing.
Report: 10.00
